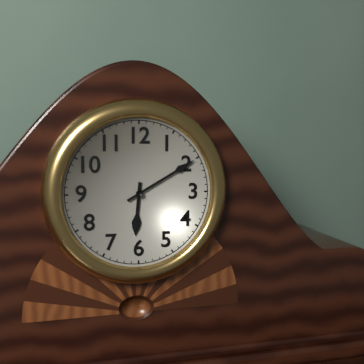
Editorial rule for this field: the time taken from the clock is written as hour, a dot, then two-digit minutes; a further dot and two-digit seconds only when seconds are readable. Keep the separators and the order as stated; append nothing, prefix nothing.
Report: 6.10
